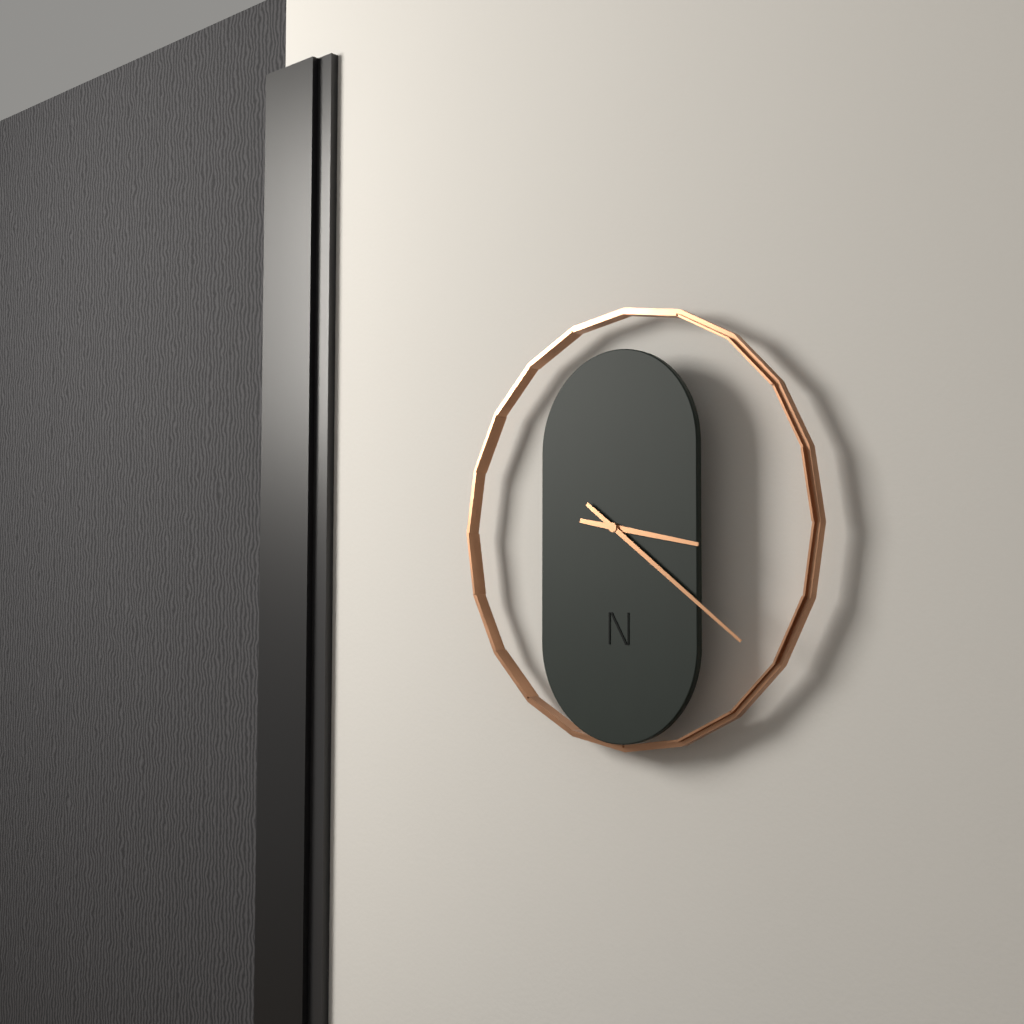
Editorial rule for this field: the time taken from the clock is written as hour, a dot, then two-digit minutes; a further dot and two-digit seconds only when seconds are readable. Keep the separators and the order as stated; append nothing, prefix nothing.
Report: 3.21
